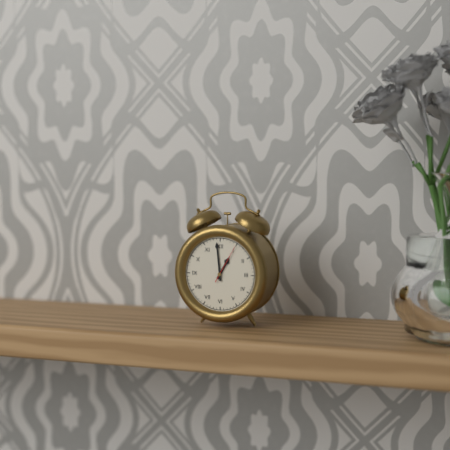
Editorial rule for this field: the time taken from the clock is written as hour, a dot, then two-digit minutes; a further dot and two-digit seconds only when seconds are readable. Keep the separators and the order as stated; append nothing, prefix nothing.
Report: 12.59
